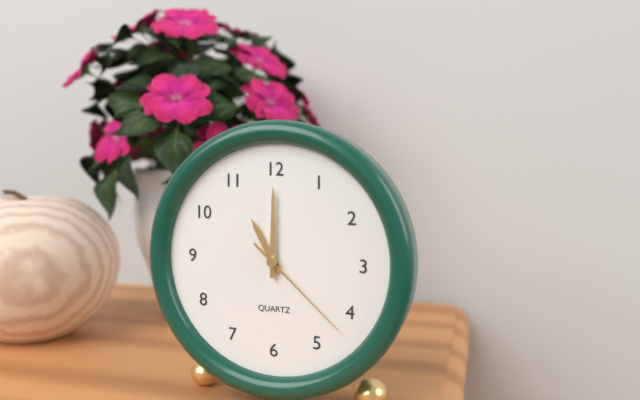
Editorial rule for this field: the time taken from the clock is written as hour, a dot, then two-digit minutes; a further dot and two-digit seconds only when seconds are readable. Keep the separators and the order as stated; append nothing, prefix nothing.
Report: 11.00.22
